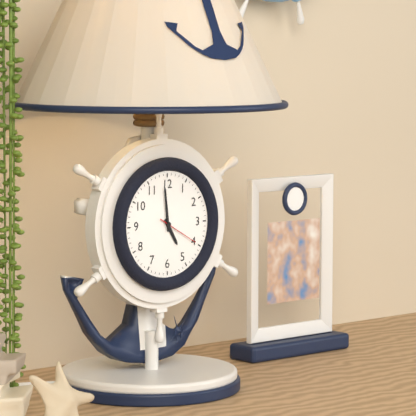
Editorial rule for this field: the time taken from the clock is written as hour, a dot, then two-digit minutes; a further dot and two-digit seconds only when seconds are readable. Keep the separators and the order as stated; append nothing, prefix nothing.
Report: 4.59
